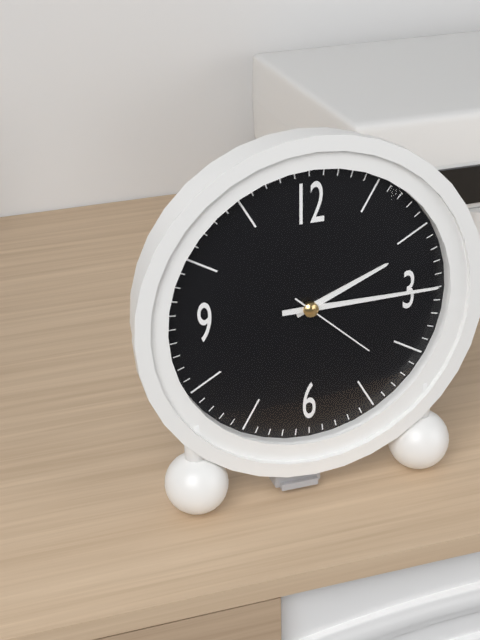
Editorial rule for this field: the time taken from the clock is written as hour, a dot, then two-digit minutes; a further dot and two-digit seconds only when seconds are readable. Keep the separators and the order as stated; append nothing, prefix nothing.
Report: 2.15.22
